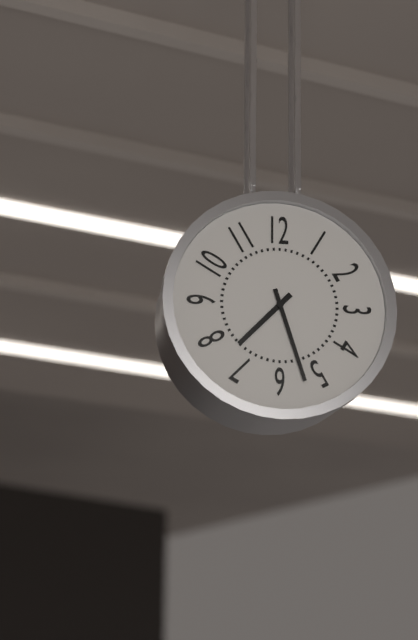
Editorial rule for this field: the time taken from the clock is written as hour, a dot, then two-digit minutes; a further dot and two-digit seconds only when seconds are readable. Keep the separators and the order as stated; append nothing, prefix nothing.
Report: 7.27
